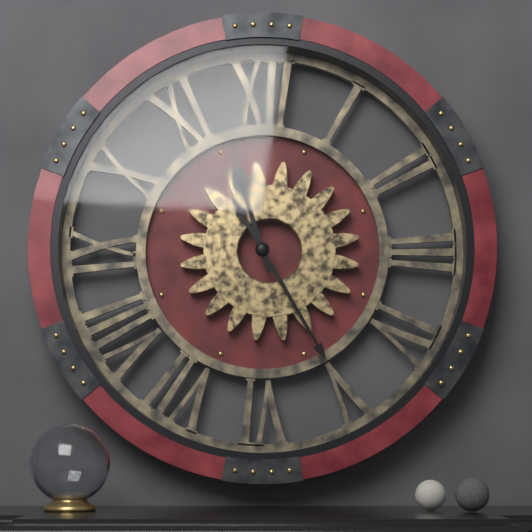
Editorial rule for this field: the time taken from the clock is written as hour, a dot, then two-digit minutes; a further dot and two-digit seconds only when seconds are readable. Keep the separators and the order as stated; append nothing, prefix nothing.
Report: 11.25
